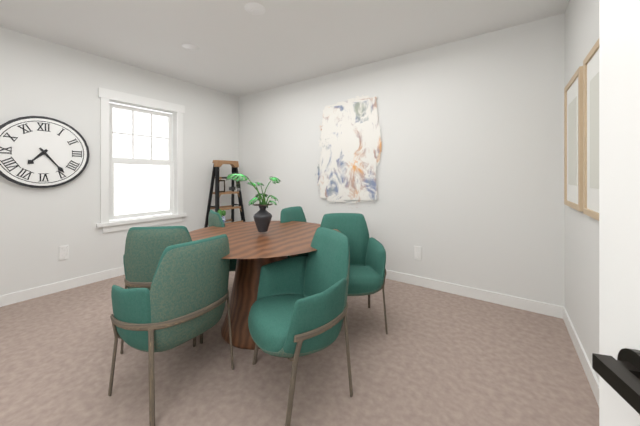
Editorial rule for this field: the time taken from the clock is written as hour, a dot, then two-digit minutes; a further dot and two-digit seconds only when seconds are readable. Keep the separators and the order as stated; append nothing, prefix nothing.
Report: 7.24
